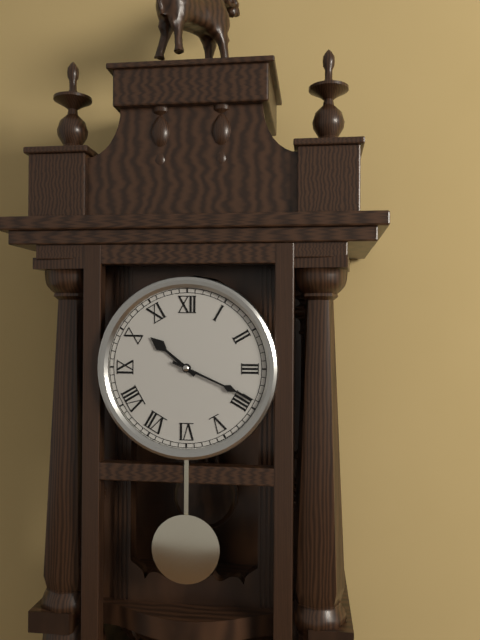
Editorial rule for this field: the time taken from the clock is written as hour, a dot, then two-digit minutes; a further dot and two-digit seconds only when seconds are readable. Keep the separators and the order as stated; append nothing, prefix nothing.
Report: 10.19
